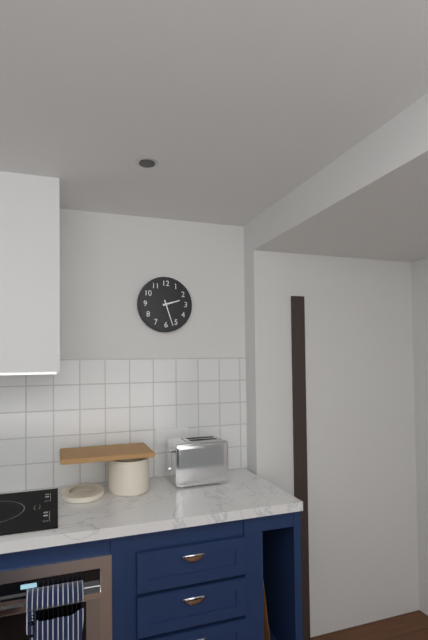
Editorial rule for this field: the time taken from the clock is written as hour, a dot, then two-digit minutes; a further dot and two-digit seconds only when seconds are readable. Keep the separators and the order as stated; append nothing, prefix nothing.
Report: 2.27
